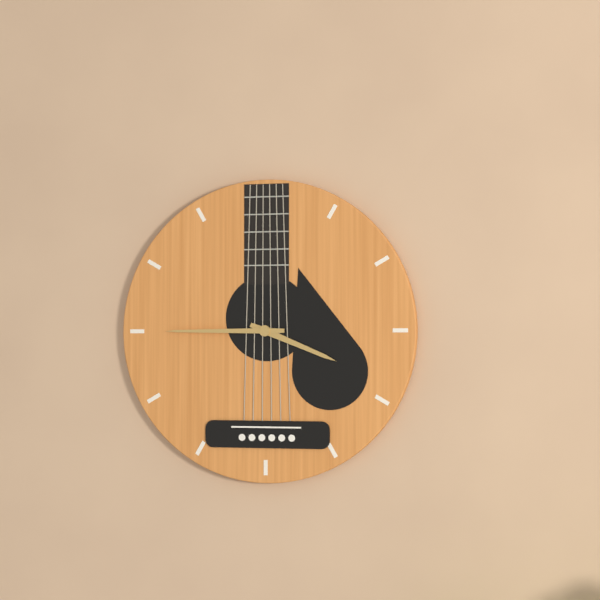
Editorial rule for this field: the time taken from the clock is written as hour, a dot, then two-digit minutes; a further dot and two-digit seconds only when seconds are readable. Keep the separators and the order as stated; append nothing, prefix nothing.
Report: 3.45
